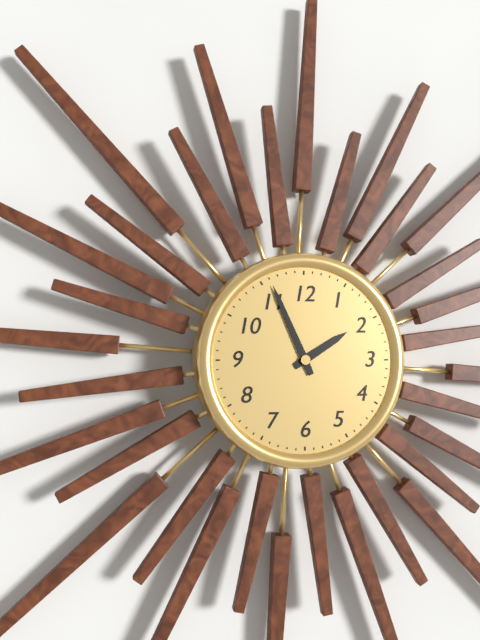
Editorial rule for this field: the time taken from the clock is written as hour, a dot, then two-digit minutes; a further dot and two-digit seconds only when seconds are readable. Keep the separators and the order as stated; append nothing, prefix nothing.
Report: 1.56
